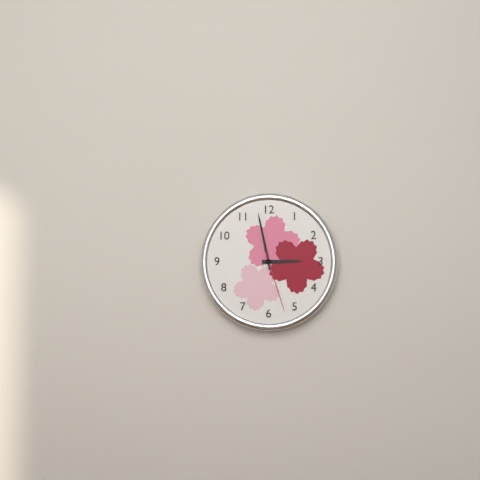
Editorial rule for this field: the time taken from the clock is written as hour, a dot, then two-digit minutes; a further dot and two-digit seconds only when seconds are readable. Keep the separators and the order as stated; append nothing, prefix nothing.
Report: 2.58.27
